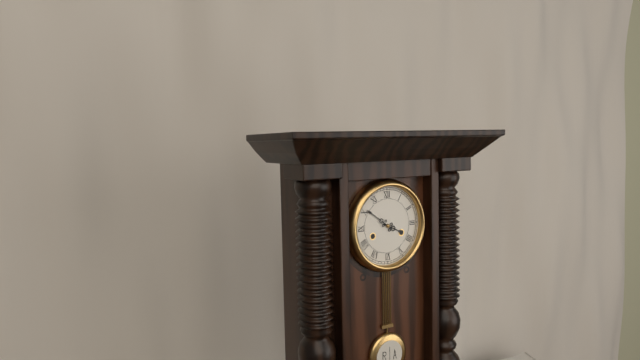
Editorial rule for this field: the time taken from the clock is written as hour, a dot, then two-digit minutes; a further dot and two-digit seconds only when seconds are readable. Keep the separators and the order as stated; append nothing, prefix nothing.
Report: 3.51
